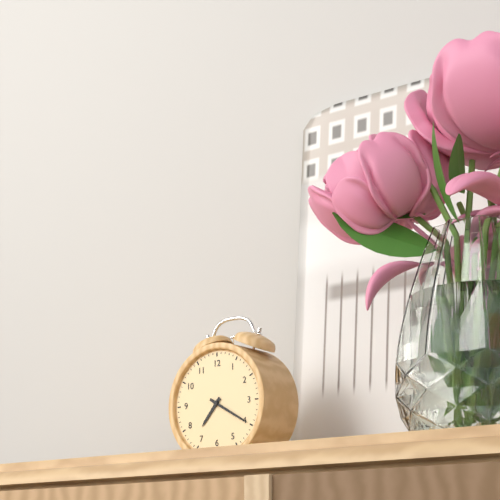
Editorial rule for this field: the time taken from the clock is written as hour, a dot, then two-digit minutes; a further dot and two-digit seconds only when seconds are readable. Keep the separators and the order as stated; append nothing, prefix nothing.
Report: 7.20
